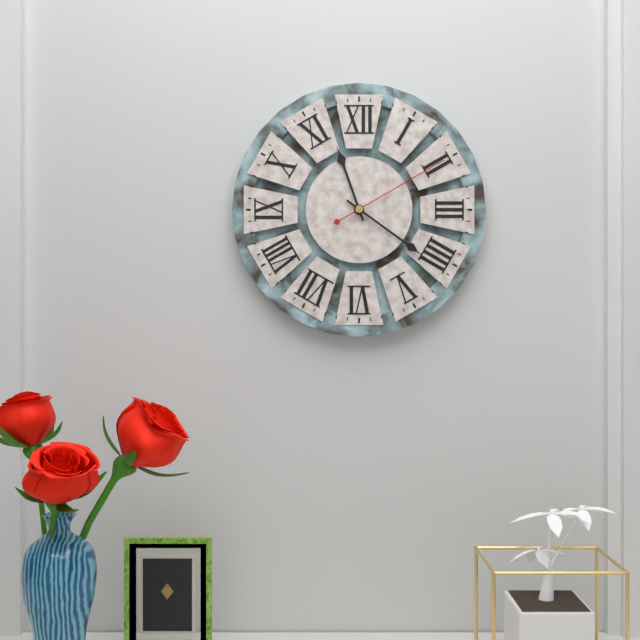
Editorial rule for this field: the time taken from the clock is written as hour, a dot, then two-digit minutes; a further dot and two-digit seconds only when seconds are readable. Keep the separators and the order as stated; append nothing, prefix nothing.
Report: 11.21.10
